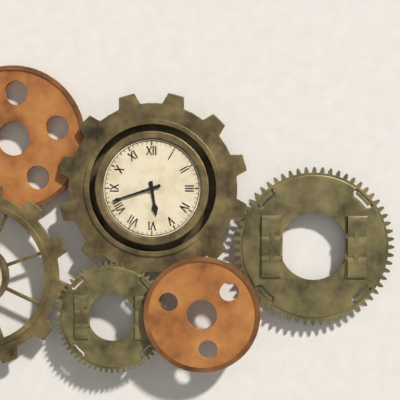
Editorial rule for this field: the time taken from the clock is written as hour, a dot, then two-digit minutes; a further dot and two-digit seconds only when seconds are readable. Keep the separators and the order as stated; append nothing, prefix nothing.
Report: 5.42
